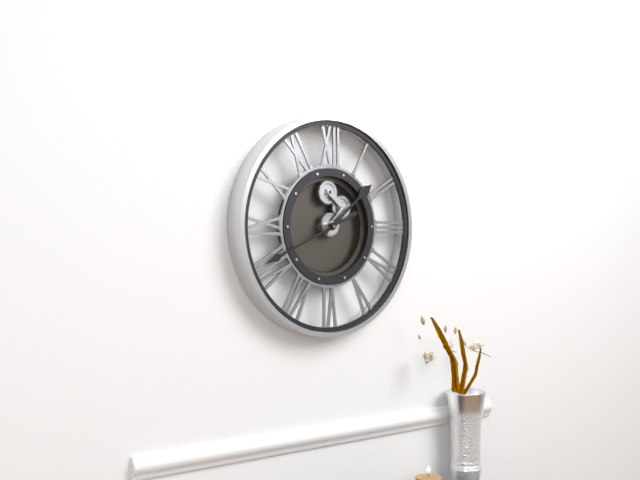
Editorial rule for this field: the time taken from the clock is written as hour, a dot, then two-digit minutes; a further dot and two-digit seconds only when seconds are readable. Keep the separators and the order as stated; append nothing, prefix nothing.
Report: 1.41
